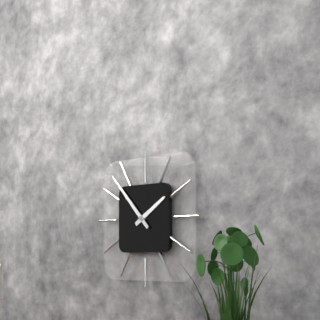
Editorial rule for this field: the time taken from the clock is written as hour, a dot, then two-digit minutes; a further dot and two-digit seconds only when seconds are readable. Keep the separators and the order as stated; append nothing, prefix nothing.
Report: 1.53
